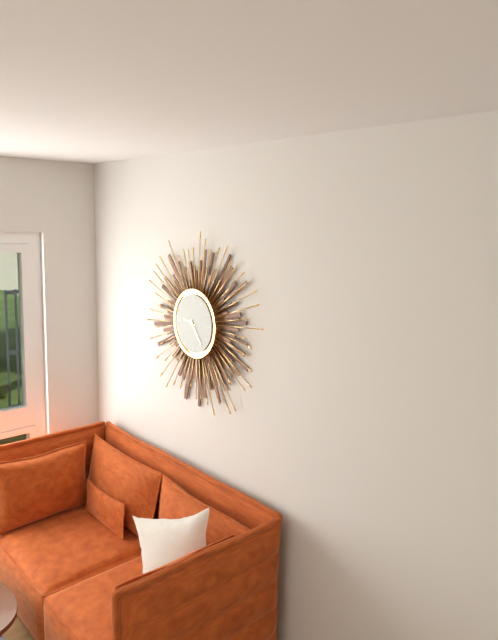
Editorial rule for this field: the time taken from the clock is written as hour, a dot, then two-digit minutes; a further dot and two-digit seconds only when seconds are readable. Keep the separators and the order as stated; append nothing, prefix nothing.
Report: 9.24
